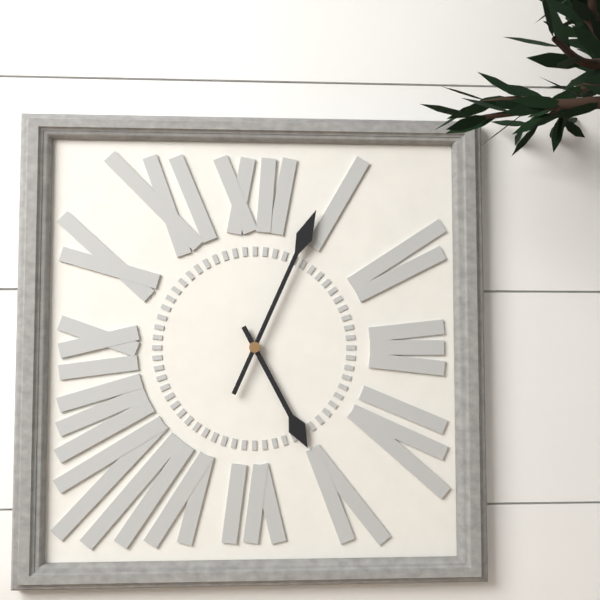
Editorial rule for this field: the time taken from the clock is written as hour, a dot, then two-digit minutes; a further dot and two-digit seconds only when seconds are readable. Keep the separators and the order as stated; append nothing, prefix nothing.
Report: 5.04
